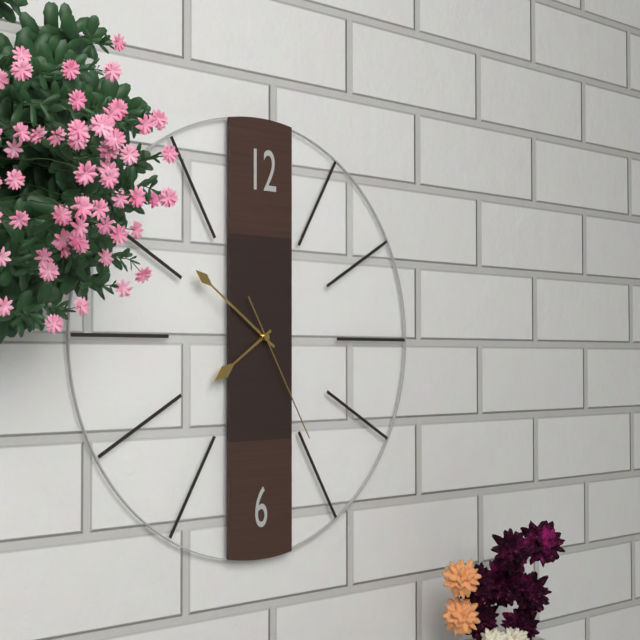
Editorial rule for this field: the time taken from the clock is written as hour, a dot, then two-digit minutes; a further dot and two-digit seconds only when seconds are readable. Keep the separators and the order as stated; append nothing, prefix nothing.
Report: 7.51.25
